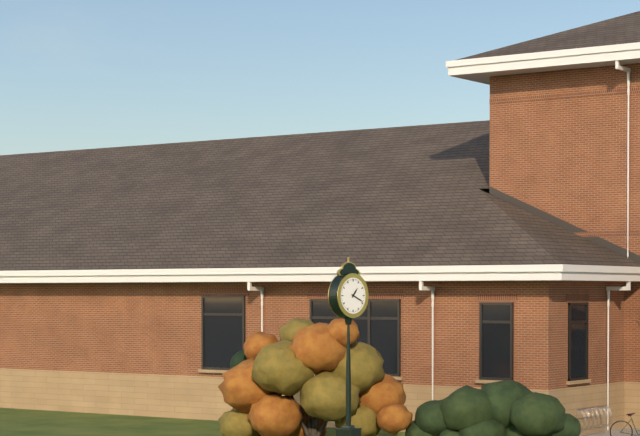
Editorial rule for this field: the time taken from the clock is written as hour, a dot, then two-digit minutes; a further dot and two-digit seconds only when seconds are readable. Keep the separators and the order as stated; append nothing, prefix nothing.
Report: 1.19
